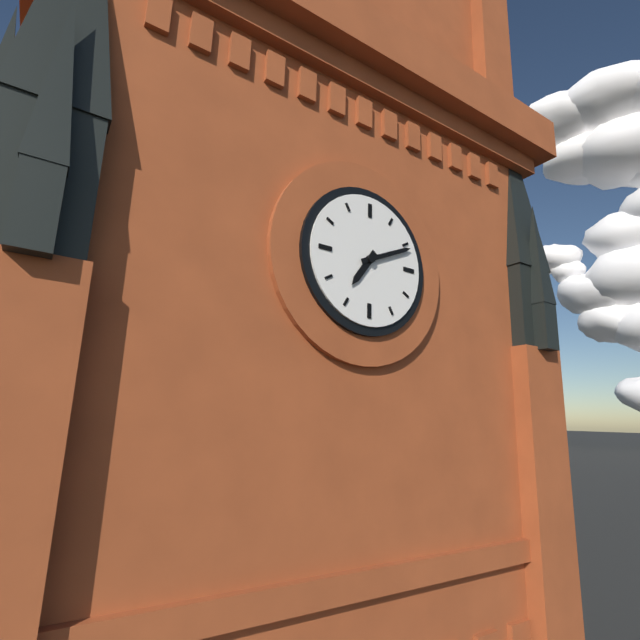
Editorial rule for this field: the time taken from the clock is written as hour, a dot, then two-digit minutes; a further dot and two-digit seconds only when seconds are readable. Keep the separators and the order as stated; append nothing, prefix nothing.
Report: 7.11
